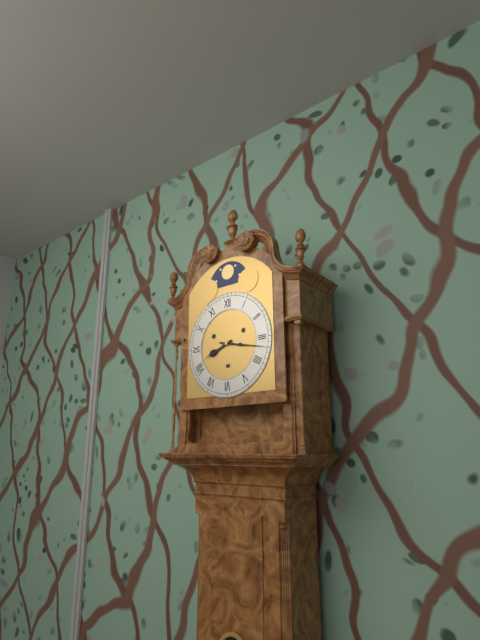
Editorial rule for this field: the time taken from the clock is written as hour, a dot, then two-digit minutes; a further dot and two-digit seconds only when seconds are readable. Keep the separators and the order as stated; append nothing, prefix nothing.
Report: 8.17
